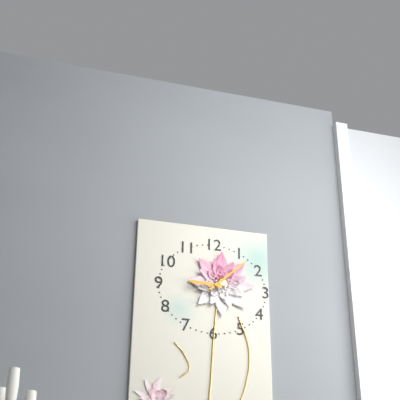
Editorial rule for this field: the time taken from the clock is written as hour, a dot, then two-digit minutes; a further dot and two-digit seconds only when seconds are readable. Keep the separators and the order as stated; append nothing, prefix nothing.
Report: 9.08
